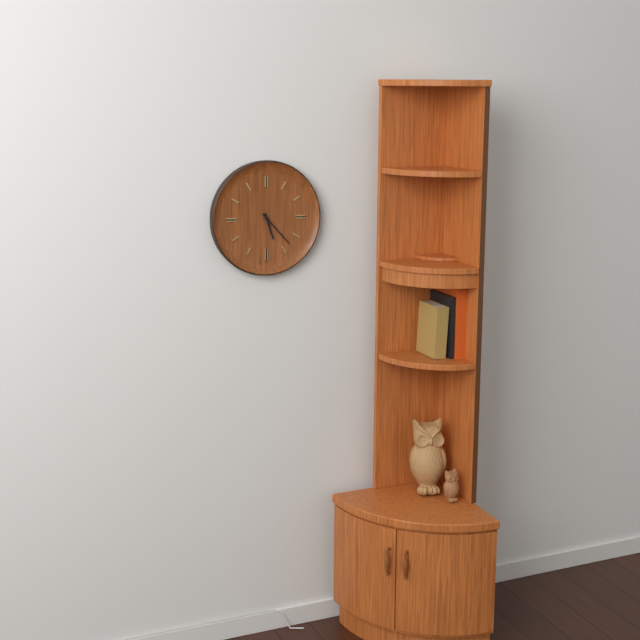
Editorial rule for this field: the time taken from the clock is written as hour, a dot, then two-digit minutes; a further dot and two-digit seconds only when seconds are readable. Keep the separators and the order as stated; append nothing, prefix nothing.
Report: 5.23
